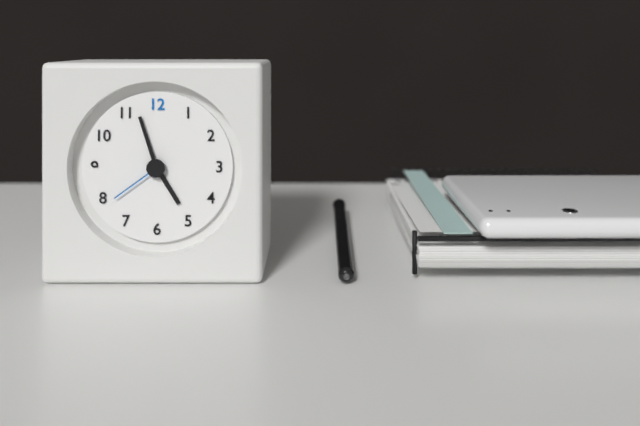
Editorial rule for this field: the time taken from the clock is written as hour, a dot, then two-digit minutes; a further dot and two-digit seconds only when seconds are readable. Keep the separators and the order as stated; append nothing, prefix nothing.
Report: 4.57.39
